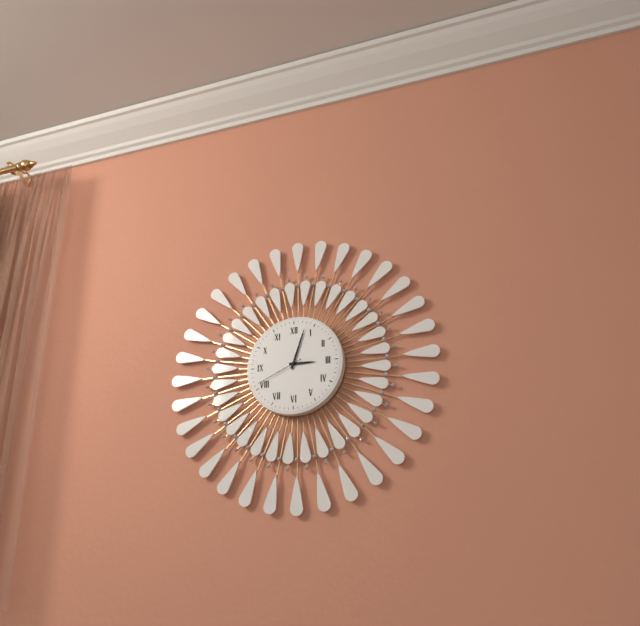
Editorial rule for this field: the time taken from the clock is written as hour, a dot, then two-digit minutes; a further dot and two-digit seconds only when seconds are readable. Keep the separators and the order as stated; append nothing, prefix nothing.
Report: 3.03.41
